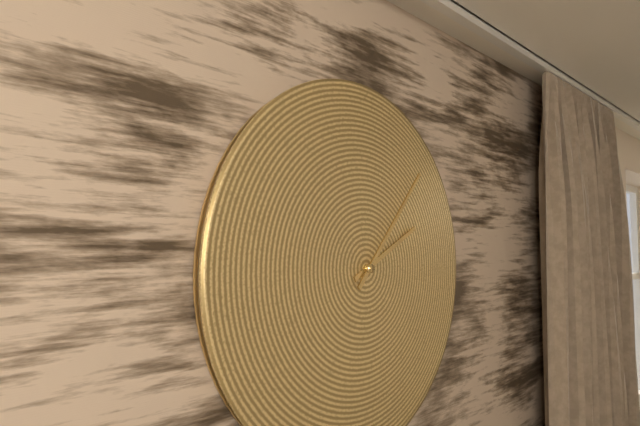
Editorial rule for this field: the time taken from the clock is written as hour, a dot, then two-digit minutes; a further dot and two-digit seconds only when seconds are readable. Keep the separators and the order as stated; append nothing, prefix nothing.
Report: 2.07
